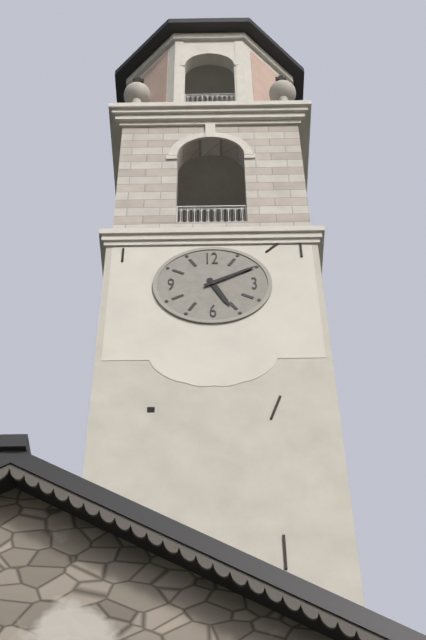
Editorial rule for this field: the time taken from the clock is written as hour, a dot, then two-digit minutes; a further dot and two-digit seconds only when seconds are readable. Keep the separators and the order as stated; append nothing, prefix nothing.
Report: 5.10
